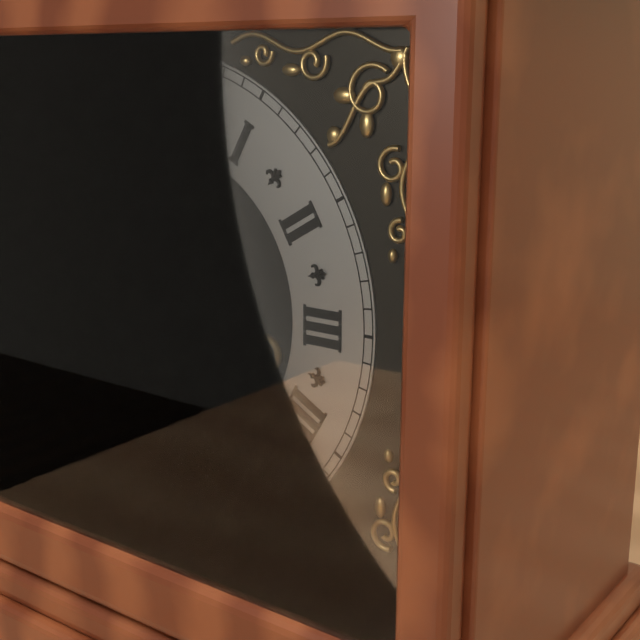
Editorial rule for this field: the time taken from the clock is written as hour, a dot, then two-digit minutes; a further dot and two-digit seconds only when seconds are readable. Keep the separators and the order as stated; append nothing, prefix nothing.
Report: 7.47
